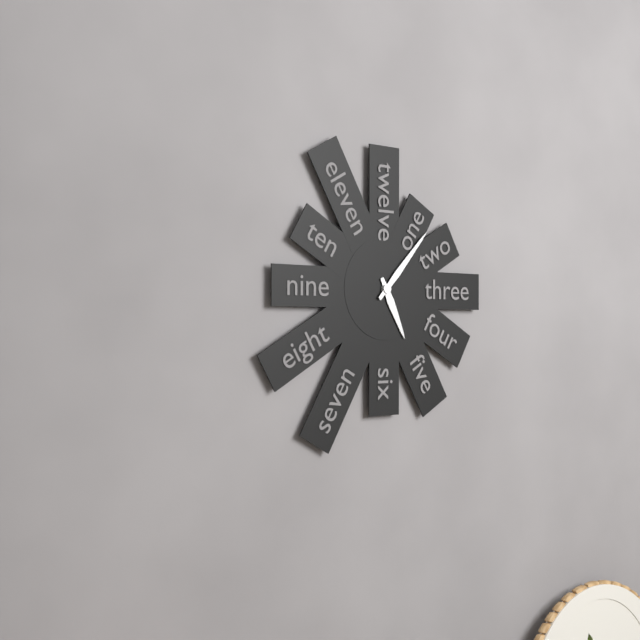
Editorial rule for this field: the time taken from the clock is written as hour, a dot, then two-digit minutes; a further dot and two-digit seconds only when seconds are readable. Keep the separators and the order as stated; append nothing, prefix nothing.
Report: 5.07
